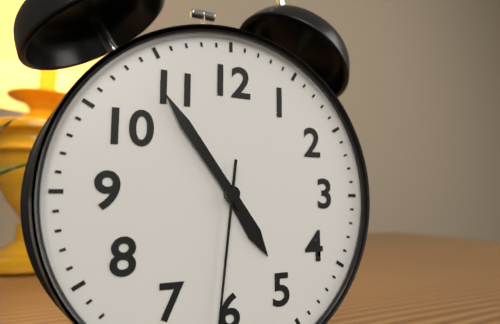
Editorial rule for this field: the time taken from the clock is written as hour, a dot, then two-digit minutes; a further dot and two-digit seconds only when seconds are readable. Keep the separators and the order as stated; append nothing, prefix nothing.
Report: 4.54
